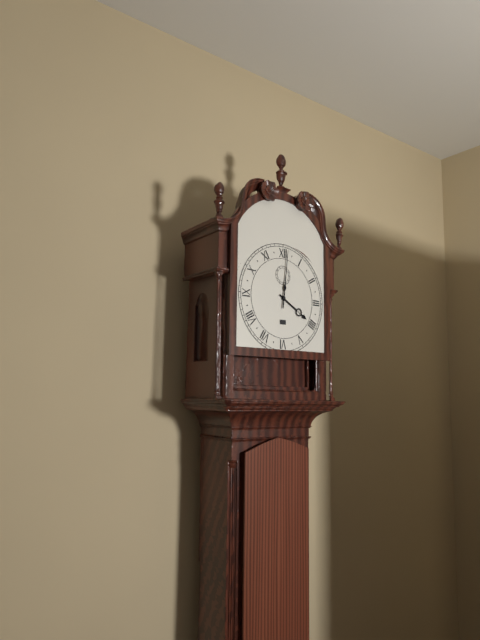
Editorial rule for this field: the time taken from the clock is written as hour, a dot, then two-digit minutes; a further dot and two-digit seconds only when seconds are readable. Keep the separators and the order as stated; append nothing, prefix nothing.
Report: 4.01
